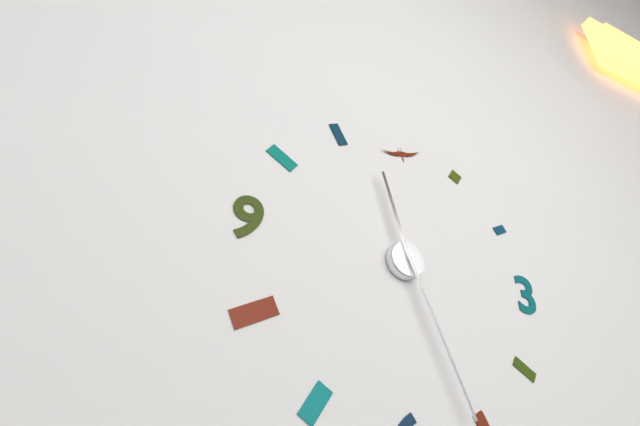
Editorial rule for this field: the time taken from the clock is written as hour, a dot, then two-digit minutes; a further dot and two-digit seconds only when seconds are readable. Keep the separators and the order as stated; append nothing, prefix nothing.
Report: 11.26
